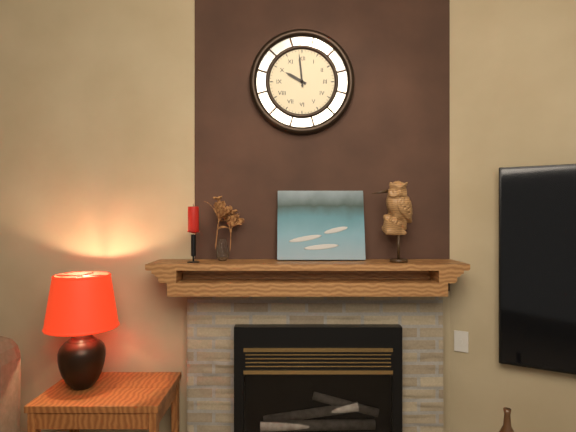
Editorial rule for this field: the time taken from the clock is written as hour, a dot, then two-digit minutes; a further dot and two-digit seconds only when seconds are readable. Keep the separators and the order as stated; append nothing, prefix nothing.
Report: 9.59
